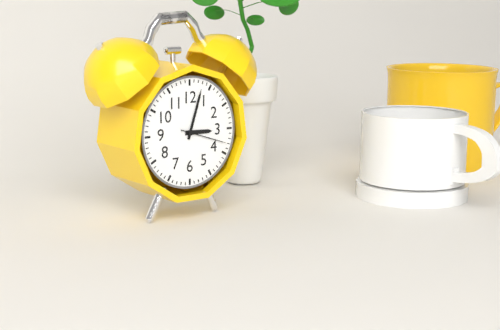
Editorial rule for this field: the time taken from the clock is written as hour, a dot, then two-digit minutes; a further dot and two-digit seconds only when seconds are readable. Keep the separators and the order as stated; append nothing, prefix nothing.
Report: 3.03
